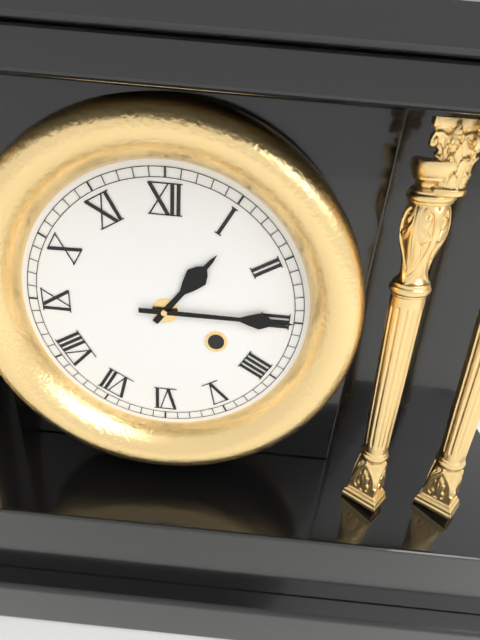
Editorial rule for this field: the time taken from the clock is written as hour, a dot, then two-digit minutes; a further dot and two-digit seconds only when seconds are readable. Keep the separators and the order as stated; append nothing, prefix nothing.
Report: 1.15
